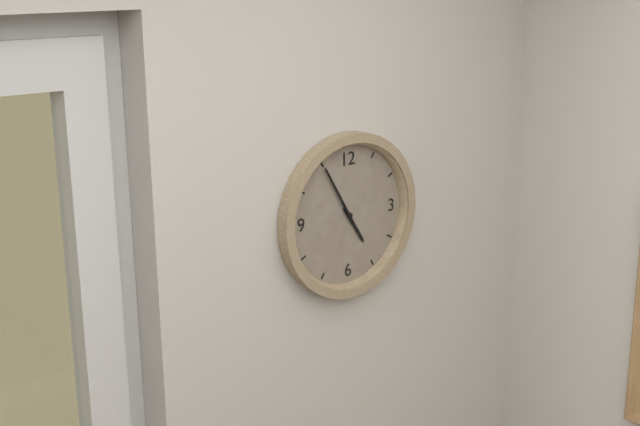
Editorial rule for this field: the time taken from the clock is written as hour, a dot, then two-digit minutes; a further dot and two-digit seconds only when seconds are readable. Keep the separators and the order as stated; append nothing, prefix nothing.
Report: 4.55
